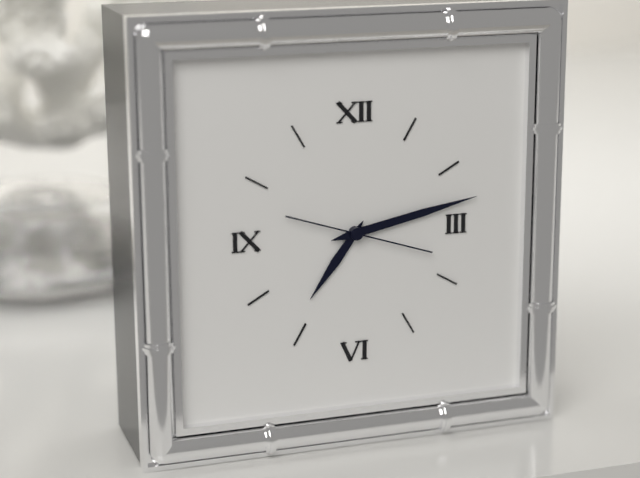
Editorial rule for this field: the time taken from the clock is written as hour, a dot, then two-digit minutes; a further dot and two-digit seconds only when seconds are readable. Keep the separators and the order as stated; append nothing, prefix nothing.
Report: 7.13.18
